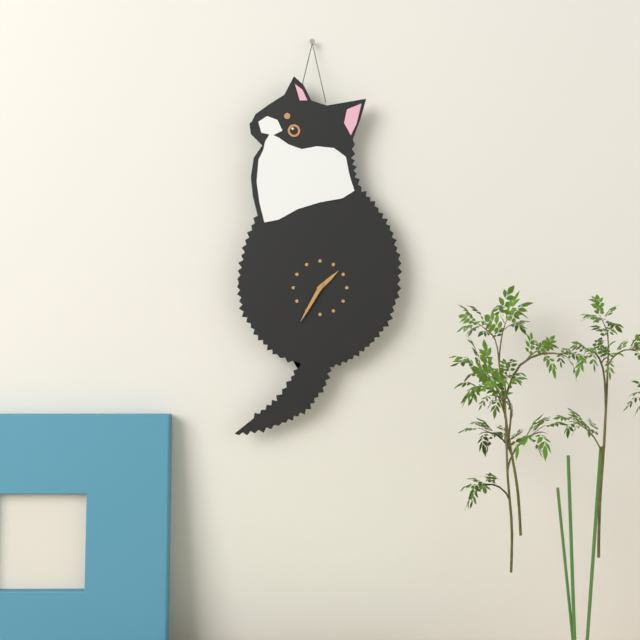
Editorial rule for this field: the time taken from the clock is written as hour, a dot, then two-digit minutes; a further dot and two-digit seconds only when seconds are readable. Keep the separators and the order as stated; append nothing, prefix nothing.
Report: 1.35
